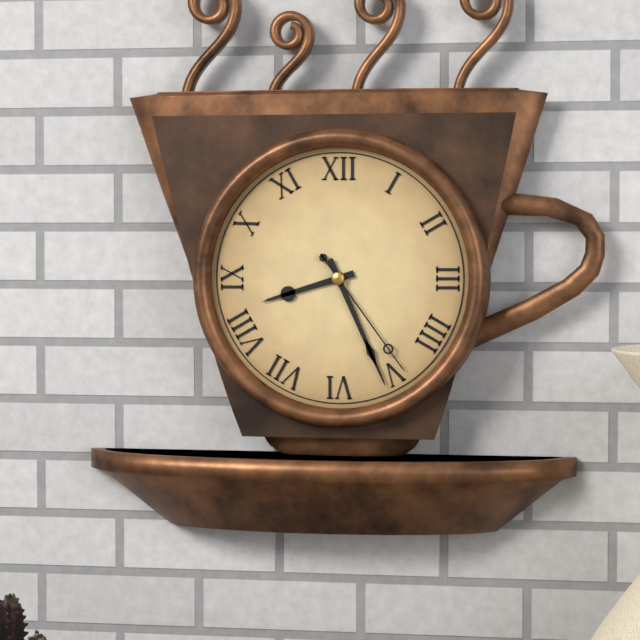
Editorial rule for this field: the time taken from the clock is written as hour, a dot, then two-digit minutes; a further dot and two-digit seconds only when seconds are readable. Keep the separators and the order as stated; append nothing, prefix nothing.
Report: 8.26.24
